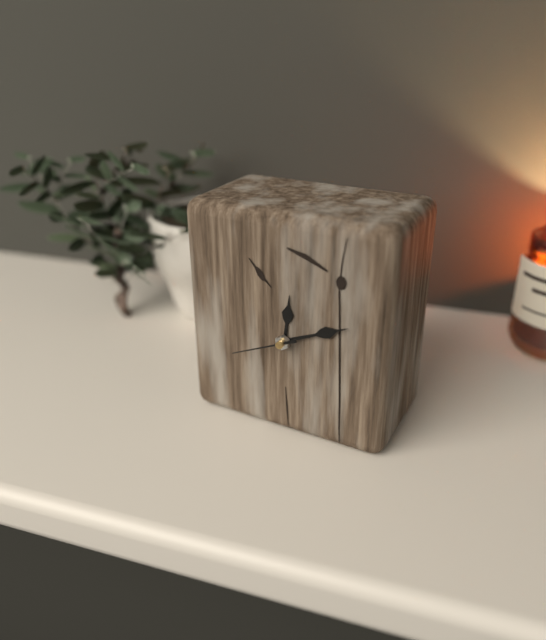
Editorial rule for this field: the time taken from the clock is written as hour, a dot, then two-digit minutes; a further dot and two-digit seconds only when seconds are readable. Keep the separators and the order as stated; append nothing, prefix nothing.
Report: 12.11.41
